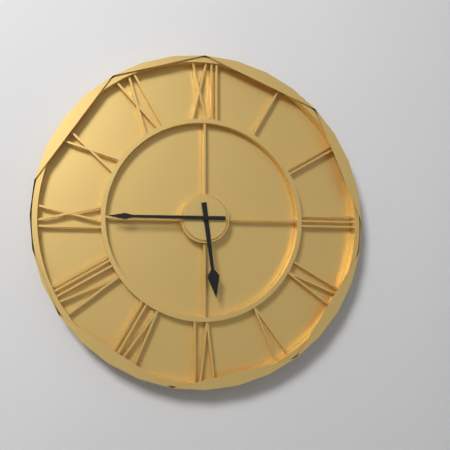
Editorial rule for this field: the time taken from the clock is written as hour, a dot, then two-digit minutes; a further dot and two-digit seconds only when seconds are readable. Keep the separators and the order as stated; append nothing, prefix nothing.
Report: 5.45
